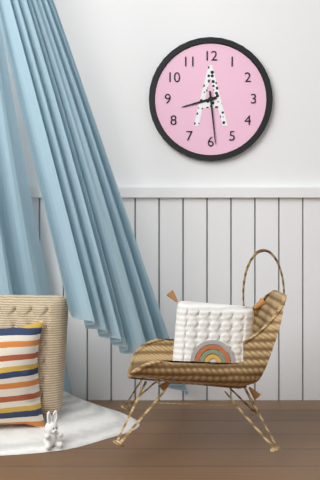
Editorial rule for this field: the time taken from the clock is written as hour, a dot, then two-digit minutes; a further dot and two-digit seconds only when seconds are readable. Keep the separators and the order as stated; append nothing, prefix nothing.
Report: 8.29
